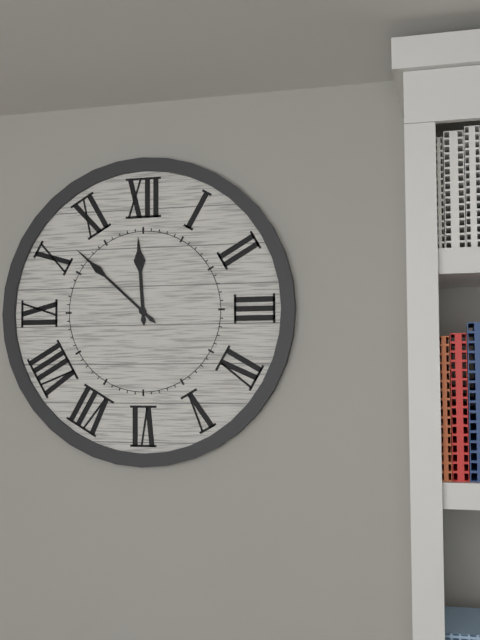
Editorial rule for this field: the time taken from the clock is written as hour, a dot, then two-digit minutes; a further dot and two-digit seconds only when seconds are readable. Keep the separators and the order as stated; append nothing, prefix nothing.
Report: 11.52
